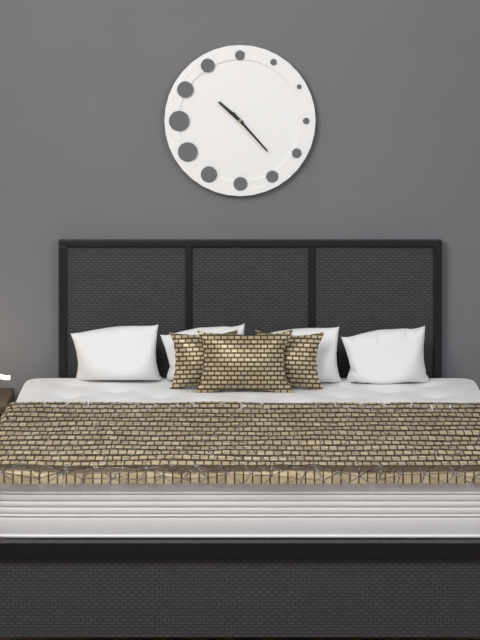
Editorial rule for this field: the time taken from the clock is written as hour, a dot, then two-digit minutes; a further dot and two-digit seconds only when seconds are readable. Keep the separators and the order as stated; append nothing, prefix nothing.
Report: 10.23
